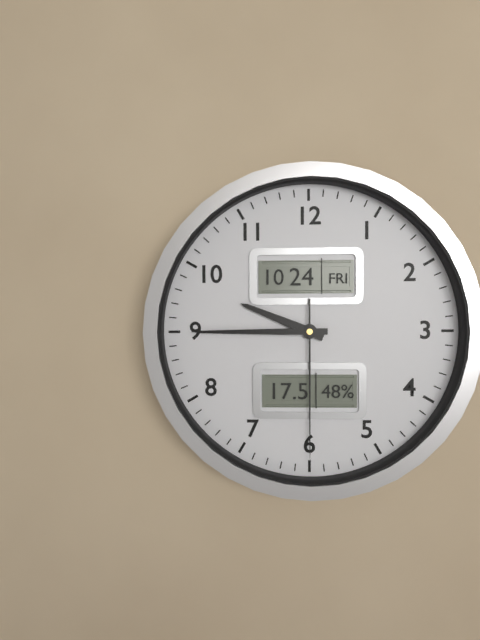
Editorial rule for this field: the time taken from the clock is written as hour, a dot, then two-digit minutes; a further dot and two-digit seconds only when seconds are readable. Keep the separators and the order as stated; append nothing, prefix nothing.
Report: 9.45.30
